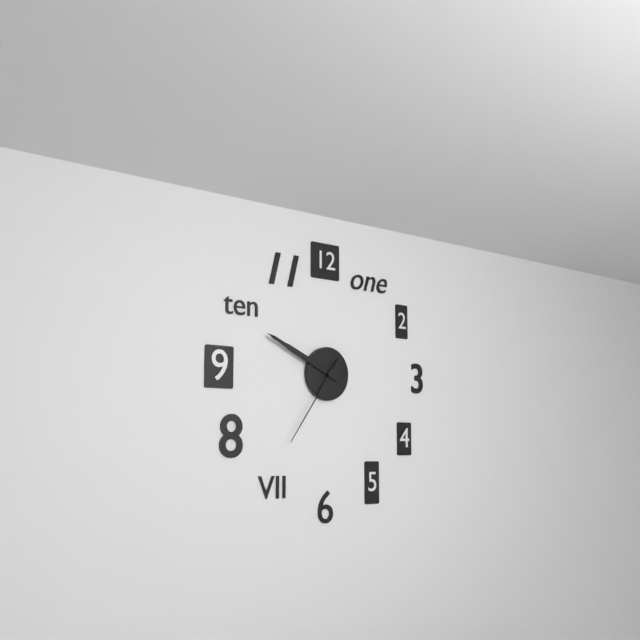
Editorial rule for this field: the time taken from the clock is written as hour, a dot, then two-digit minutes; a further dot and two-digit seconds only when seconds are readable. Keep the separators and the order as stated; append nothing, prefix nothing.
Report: 9.49.36
